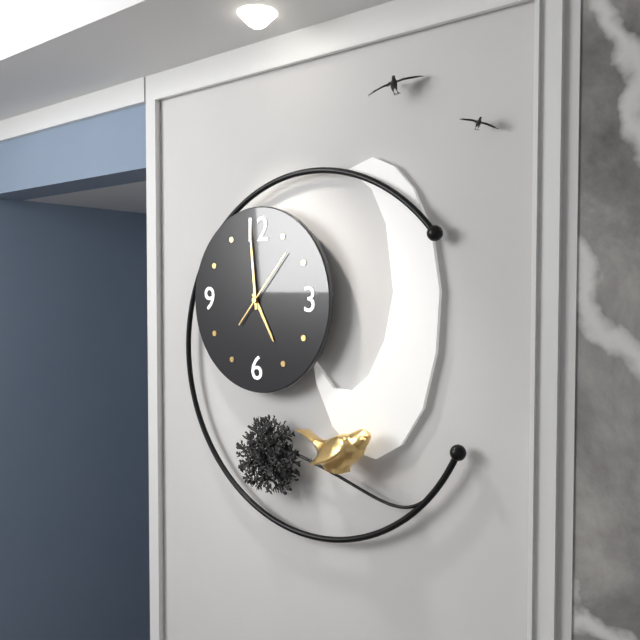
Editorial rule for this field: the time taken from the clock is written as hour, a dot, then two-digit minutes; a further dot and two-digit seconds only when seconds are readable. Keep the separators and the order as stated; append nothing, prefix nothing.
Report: 4.59.07
